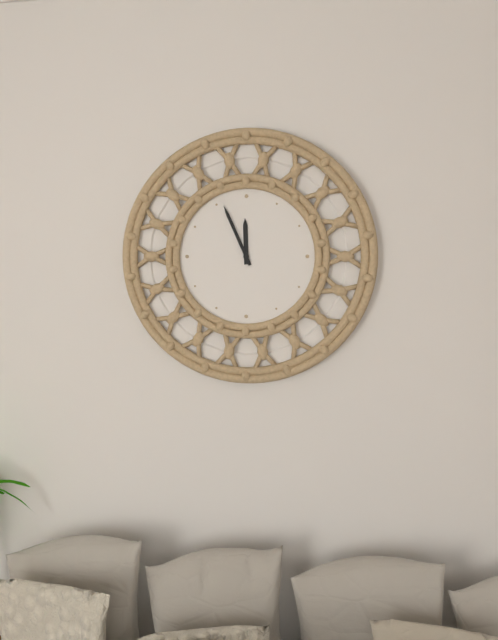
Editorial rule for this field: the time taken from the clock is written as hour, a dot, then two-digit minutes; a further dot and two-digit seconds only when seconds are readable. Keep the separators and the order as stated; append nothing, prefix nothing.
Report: 11.56
